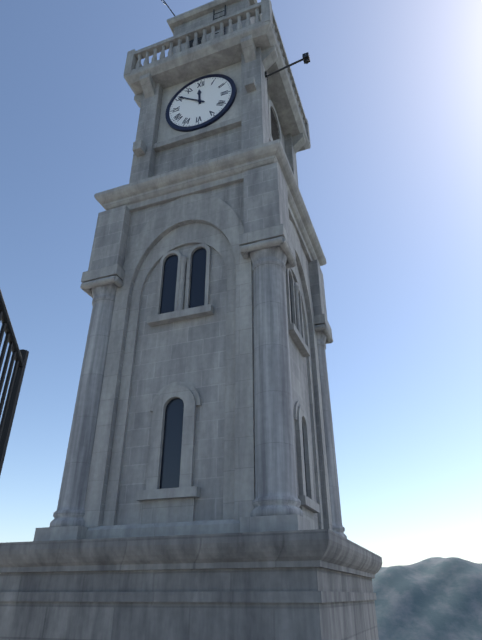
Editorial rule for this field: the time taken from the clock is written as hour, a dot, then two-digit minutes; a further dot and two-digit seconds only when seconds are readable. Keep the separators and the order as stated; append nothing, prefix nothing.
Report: 11.51
